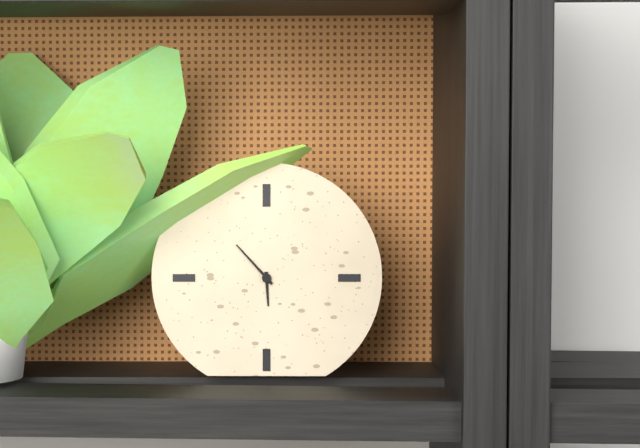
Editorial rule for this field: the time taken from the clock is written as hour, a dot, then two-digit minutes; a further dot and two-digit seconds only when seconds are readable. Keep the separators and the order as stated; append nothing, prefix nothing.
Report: 5.53
